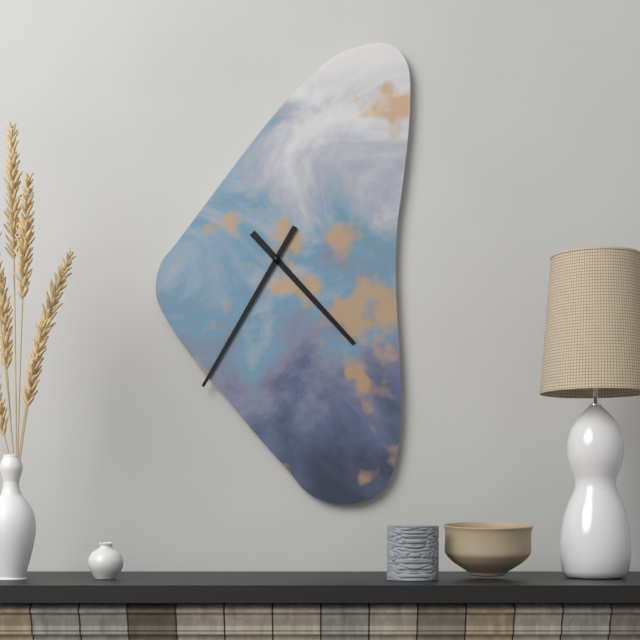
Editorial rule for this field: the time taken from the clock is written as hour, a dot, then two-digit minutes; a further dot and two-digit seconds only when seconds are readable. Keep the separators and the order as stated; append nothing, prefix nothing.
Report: 4.35
